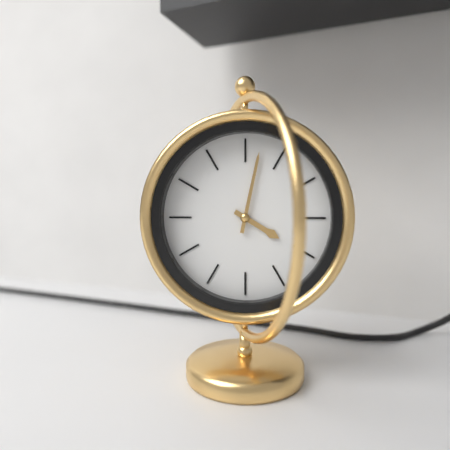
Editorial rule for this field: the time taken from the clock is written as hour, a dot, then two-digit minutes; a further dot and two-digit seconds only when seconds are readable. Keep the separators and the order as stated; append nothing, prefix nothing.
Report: 4.02
